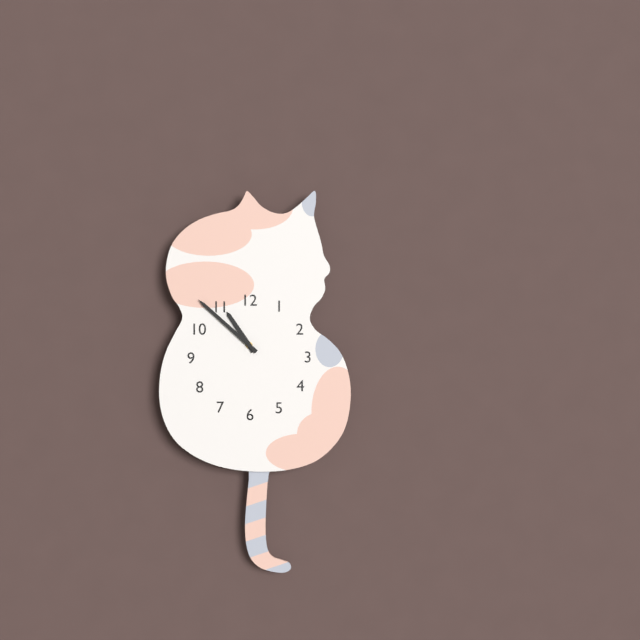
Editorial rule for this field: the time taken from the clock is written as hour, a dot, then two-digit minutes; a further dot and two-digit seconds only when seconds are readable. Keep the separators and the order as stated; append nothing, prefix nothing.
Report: 10.52
